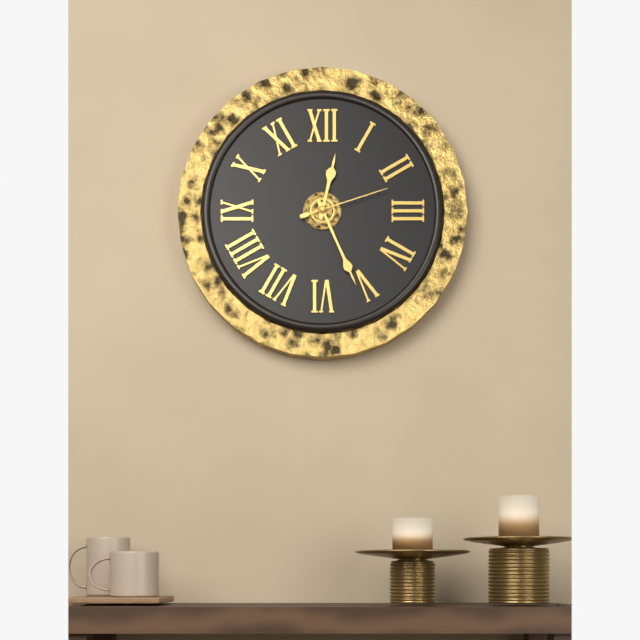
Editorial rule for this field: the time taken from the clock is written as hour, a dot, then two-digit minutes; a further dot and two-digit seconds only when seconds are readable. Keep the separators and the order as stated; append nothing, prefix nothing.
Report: 12.26.12
